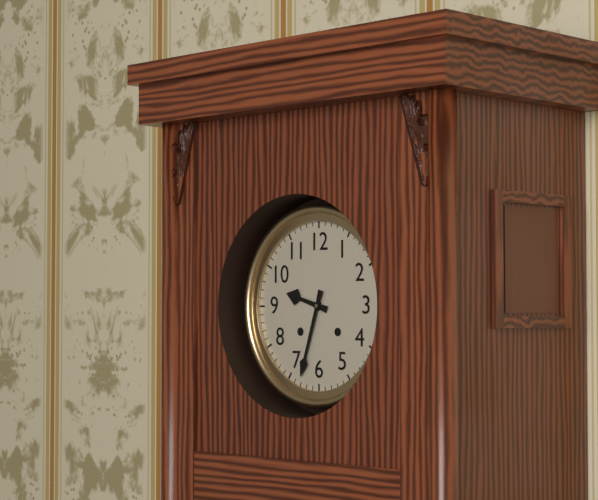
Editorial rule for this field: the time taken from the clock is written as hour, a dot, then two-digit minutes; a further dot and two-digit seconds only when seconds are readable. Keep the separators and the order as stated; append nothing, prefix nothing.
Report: 9.33
